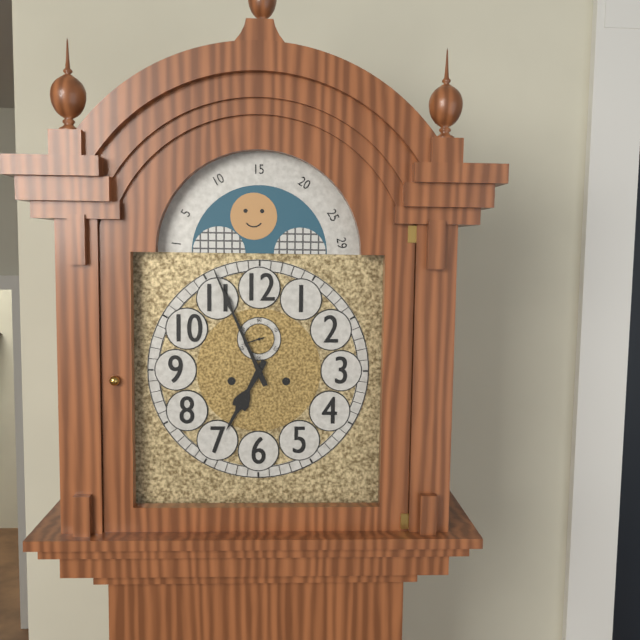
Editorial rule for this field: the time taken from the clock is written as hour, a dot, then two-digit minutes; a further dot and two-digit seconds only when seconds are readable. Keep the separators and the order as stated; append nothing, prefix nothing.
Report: 6.56
